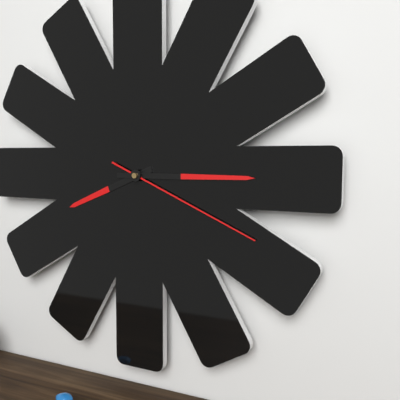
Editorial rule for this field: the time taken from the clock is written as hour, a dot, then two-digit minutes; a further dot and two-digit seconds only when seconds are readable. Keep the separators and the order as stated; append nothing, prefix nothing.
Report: 8.15.19
